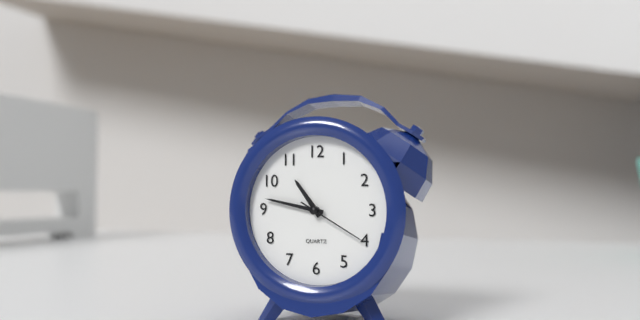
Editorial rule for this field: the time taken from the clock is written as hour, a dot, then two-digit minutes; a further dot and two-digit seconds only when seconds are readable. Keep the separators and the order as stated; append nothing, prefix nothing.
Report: 10.47.20
